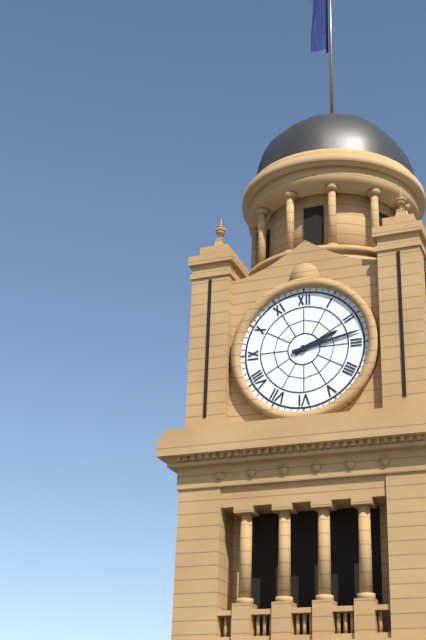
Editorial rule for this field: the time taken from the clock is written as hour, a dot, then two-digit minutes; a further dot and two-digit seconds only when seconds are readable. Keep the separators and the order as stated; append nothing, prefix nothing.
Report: 2.13
